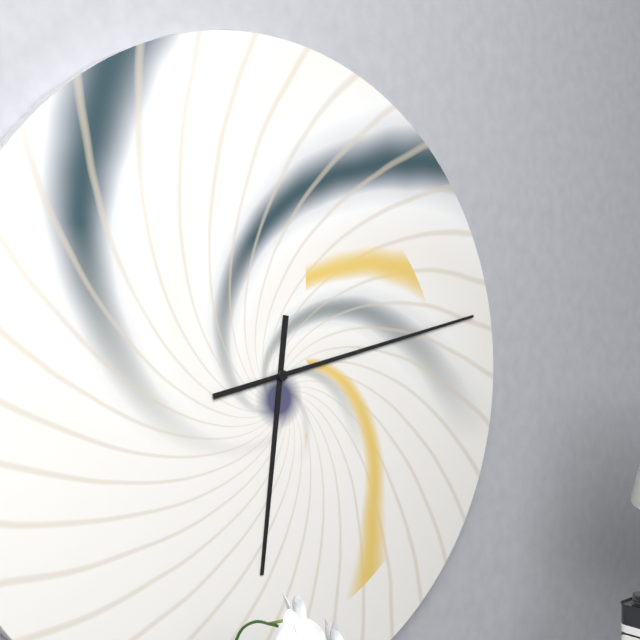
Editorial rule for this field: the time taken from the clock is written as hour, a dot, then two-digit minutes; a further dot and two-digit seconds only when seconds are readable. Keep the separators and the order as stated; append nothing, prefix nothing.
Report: 6.13
